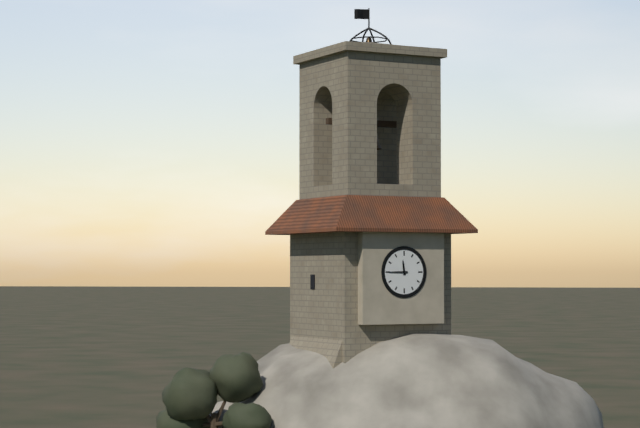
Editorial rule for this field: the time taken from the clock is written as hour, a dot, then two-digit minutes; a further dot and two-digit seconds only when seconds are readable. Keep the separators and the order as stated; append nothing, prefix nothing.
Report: 11.45
